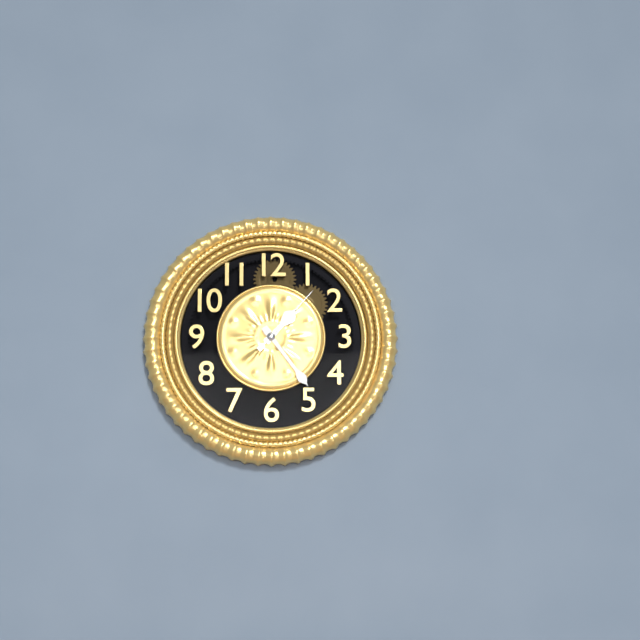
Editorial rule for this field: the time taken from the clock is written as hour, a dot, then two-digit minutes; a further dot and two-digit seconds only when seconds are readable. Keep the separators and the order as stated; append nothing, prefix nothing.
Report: 1.24.07
